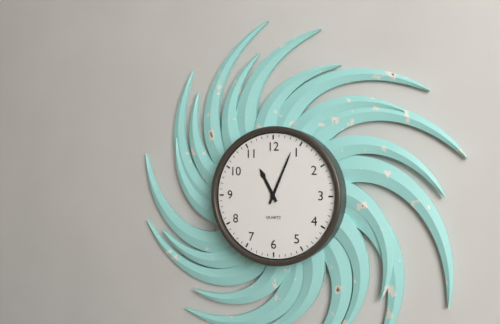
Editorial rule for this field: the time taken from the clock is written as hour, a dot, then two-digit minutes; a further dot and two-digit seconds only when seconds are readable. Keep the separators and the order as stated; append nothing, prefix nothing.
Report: 11.04
